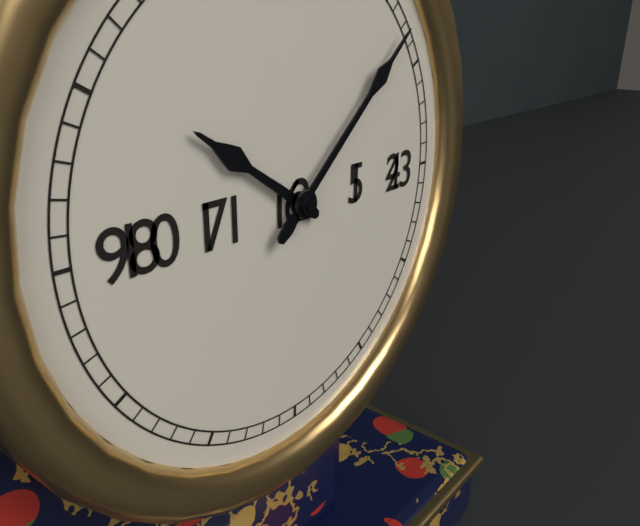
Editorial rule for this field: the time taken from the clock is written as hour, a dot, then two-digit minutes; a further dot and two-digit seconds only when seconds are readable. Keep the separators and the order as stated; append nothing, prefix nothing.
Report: 10.08
